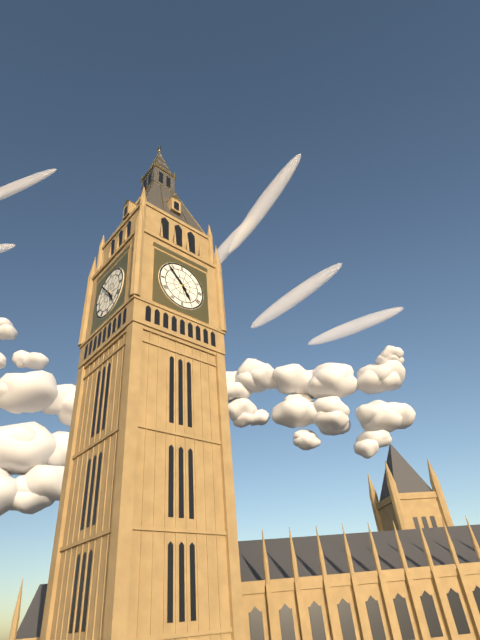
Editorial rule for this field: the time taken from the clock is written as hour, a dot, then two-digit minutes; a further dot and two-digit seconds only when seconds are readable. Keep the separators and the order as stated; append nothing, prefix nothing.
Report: 4.53
